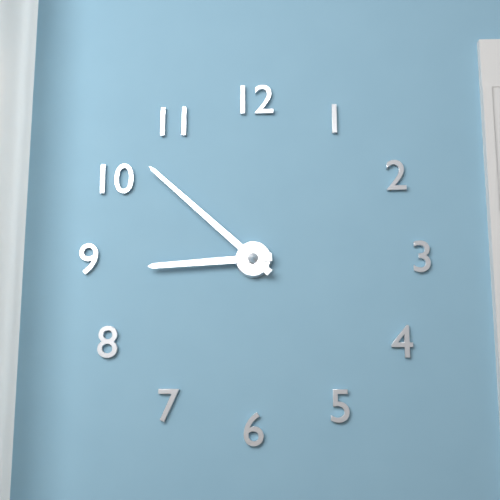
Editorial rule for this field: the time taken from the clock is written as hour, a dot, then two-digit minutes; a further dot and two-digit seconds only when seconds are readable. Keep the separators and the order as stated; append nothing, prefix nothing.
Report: 8.52
